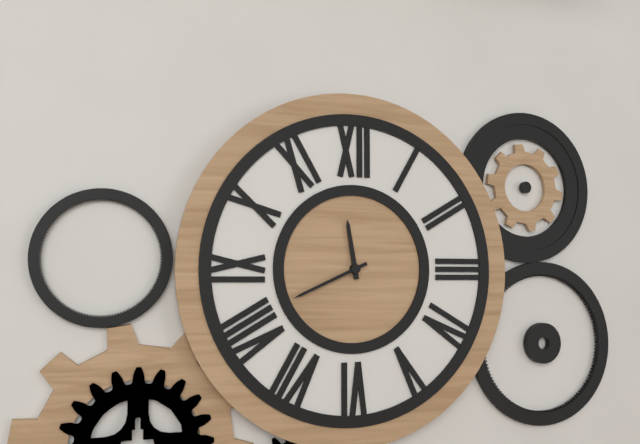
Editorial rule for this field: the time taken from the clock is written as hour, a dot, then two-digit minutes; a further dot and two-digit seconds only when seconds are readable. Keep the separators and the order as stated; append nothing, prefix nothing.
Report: 11.41
